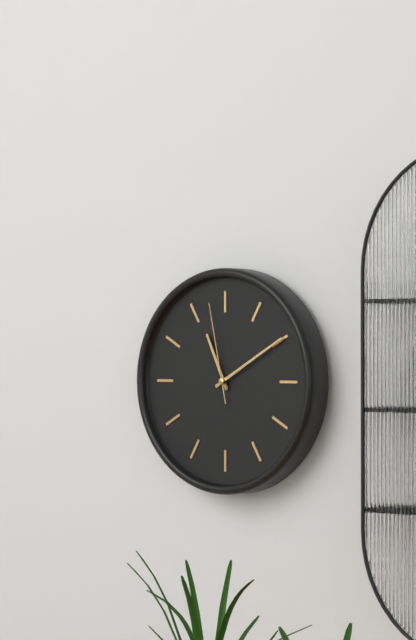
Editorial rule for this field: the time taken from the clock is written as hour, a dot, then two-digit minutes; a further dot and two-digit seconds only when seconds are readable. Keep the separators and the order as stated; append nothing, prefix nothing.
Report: 11.10.58
